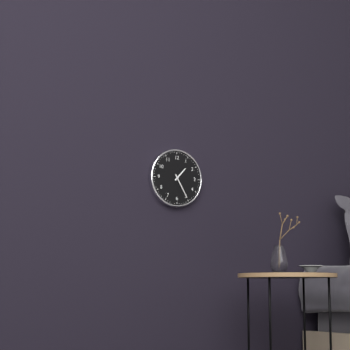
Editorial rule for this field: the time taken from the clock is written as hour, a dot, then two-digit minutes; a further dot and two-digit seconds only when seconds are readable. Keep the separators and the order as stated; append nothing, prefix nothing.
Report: 1.25
